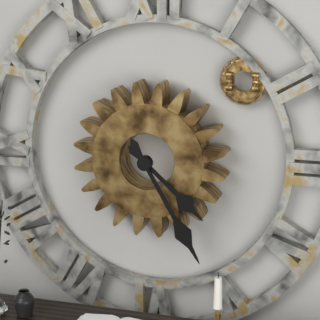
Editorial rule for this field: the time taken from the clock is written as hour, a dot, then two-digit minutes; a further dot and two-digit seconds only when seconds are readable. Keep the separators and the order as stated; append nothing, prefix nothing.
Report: 4.25
